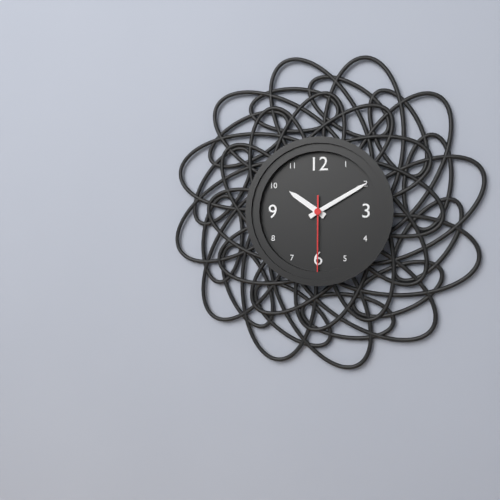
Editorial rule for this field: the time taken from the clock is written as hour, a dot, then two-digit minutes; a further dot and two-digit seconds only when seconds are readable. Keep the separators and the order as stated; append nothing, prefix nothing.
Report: 10.10.30
